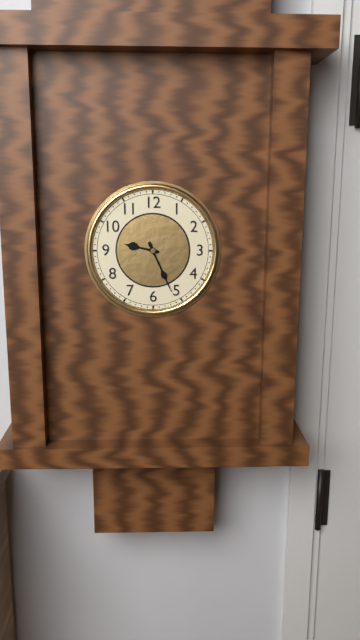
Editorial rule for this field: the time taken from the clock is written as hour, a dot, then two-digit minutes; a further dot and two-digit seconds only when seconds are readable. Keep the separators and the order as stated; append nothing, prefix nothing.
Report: 9.26
